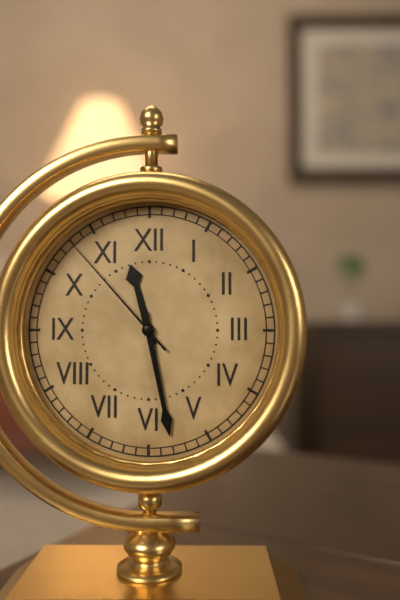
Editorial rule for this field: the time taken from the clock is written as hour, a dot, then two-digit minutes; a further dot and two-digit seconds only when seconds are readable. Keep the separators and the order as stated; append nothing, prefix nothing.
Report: 11.28.53
